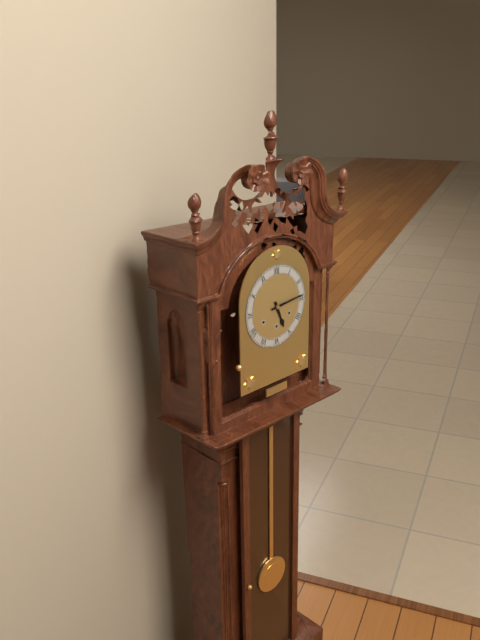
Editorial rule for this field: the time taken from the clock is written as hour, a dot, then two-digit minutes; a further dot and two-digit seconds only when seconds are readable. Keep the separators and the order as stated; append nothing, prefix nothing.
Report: 5.14
